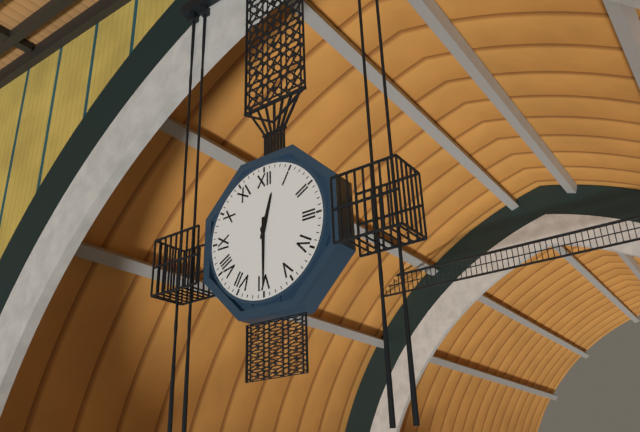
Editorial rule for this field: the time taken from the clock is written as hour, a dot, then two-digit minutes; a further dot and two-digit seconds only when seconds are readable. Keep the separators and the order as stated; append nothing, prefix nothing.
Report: 12.30
